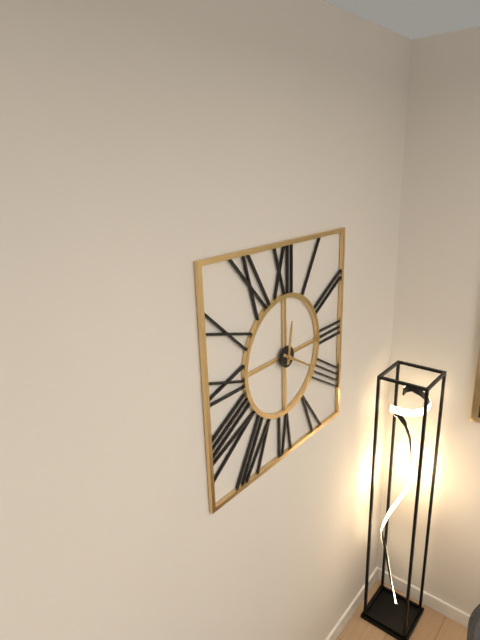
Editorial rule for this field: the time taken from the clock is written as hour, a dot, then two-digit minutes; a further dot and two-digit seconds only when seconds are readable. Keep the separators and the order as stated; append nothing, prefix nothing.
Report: 12.20
